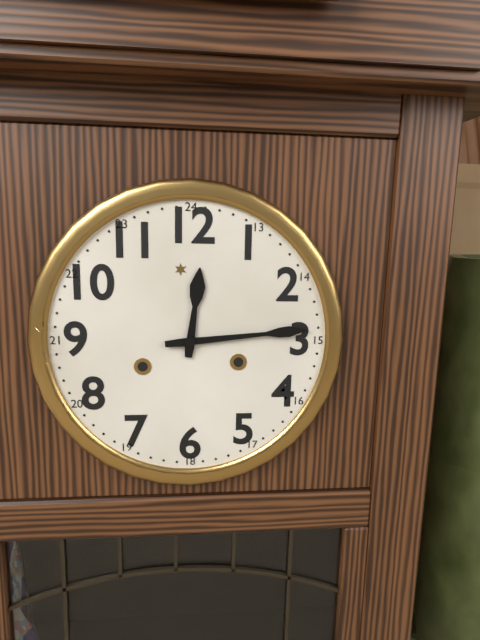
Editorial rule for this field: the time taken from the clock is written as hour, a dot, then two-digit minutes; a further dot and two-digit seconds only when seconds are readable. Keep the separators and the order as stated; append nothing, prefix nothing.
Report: 12.14
